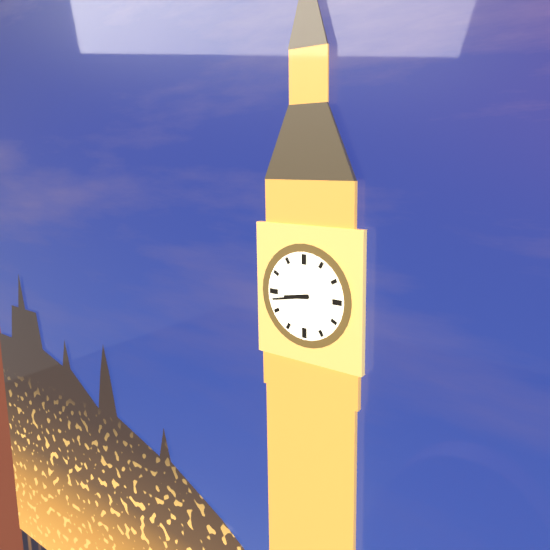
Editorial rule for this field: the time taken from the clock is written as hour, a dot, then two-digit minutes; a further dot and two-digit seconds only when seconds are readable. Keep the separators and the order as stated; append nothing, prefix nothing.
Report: 8.43
